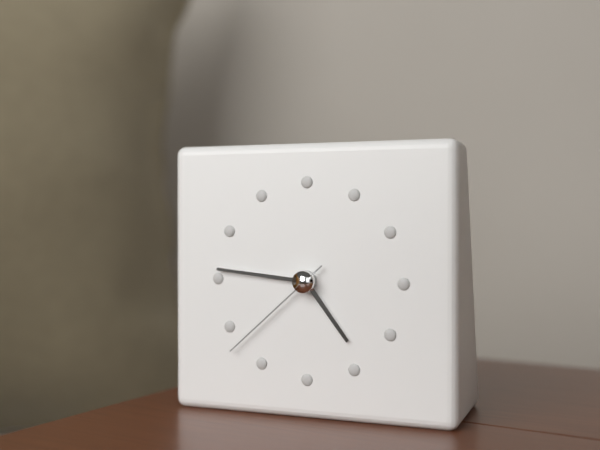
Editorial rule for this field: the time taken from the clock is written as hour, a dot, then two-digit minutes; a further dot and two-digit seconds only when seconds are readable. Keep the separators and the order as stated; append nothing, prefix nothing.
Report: 4.46.38
